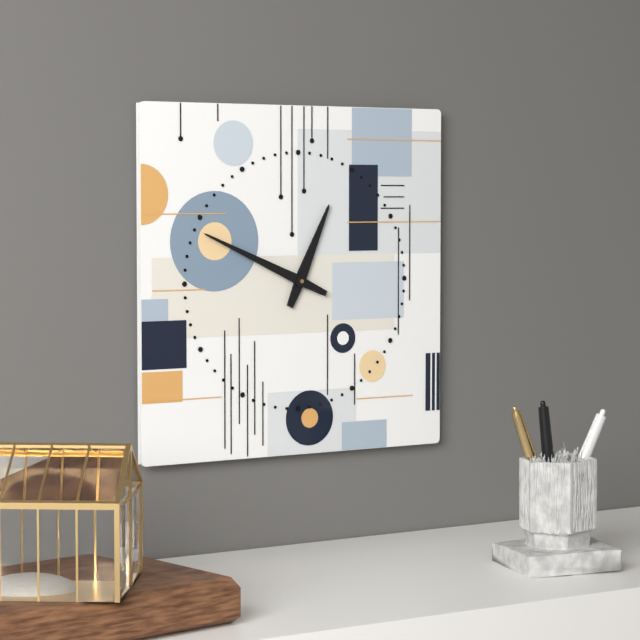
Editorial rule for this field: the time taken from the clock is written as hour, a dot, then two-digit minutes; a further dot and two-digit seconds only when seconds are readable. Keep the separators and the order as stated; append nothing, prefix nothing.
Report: 12.49
